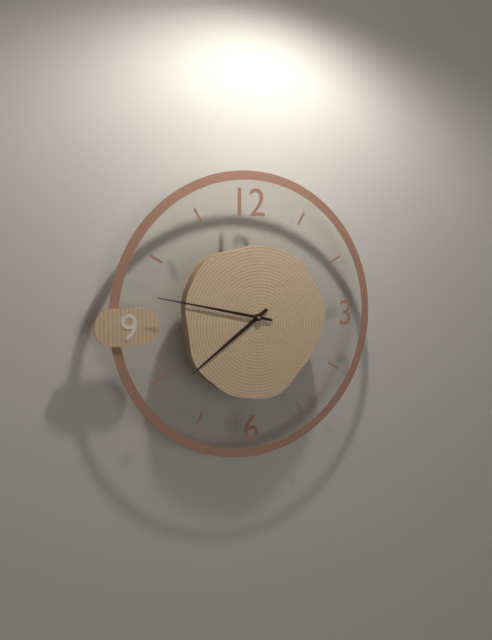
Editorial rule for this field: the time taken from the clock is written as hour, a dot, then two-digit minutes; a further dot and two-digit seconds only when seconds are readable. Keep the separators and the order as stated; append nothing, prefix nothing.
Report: 7.47
